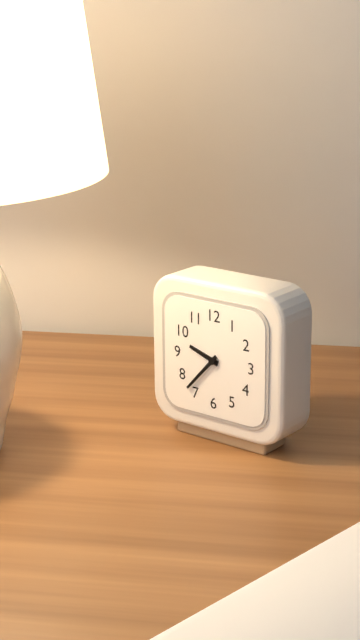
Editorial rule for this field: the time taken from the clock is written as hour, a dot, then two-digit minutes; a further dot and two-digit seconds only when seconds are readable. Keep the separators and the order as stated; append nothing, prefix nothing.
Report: 9.37
